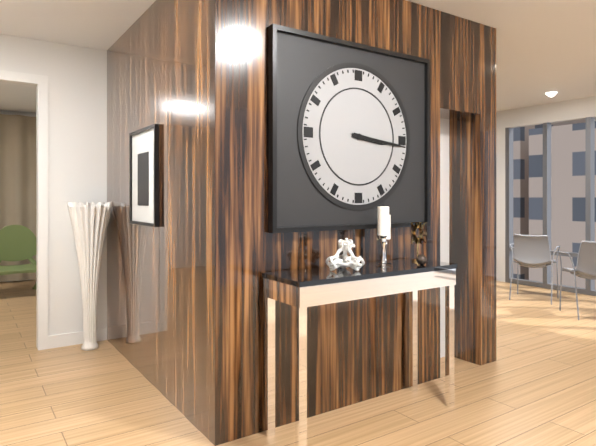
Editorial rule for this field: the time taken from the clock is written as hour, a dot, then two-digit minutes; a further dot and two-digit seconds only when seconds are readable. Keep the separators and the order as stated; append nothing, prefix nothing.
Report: 3.16
